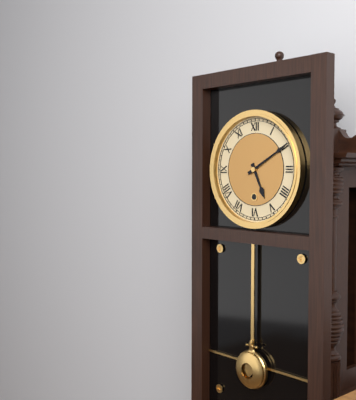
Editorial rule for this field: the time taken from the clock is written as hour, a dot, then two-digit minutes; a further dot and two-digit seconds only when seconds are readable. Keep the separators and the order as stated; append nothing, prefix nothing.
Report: 5.10
